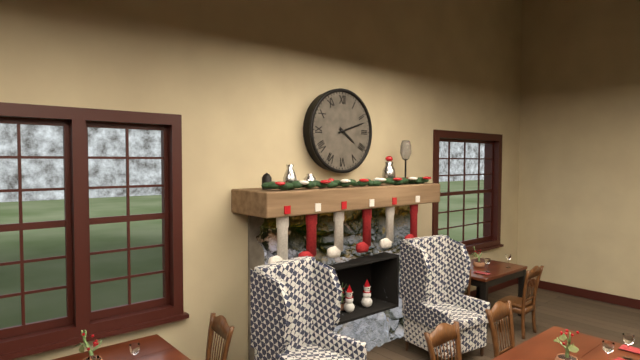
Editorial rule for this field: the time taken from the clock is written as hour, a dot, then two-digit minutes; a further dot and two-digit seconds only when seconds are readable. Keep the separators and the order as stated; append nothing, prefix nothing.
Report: 4.12
